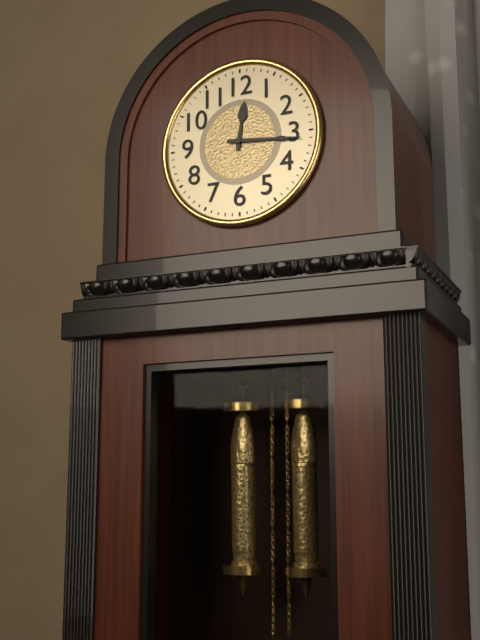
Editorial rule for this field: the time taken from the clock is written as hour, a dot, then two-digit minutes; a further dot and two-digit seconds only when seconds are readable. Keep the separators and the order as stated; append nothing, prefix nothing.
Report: 12.16
